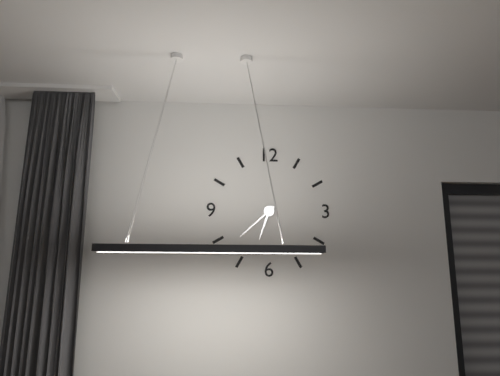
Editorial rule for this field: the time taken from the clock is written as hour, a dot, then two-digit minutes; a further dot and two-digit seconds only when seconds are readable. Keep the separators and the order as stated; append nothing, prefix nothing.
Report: 6.38
